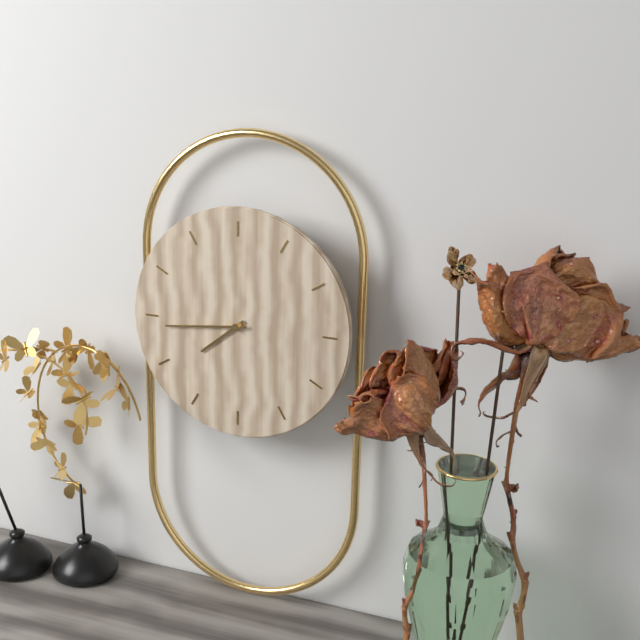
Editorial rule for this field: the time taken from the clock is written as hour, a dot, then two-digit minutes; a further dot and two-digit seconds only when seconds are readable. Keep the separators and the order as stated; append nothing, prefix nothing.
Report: 7.44
